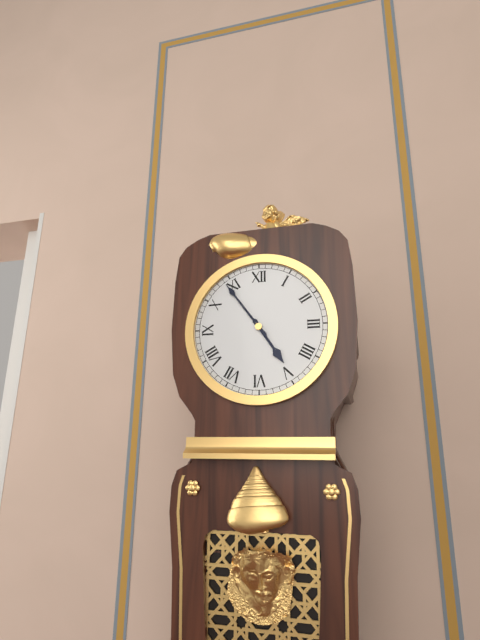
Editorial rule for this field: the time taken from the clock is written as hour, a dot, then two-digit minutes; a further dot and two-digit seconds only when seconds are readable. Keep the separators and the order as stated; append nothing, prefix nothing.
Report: 4.54
